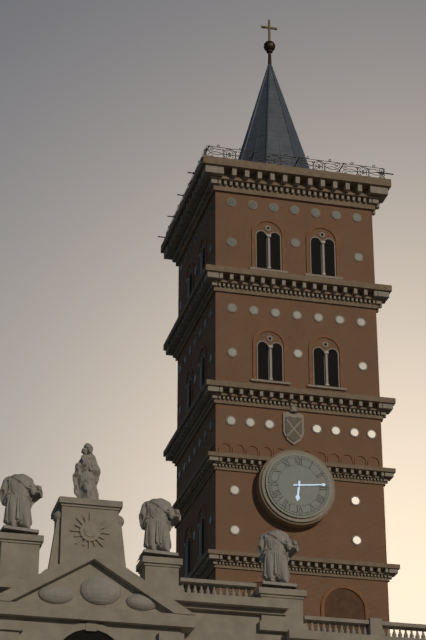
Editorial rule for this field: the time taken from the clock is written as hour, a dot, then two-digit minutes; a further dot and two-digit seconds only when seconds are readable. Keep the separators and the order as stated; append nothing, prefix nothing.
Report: 6.14
